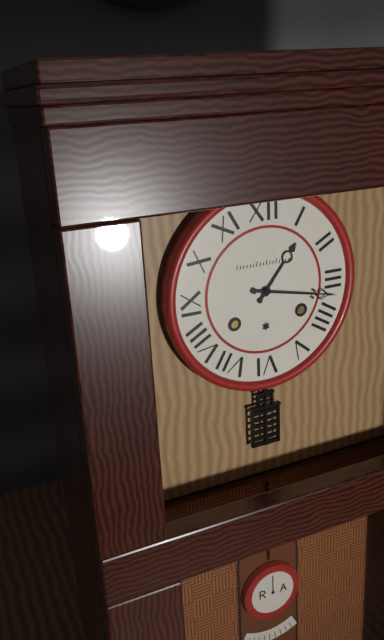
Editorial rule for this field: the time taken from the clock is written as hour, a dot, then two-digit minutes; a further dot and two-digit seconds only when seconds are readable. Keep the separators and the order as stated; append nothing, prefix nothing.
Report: 1.17
